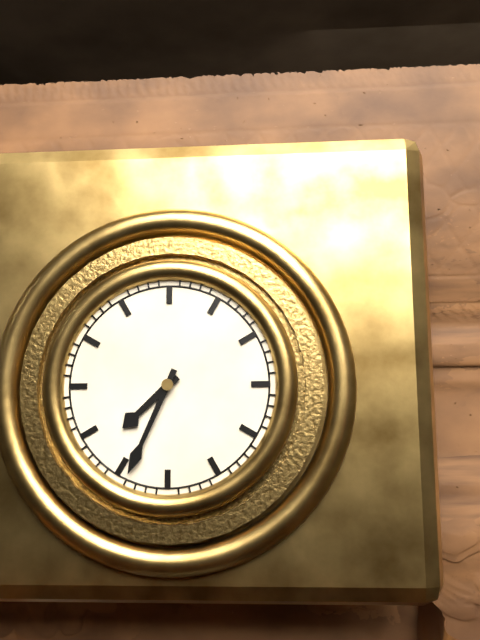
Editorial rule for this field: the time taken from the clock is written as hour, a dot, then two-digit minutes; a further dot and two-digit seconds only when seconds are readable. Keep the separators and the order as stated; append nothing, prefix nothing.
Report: 7.34
